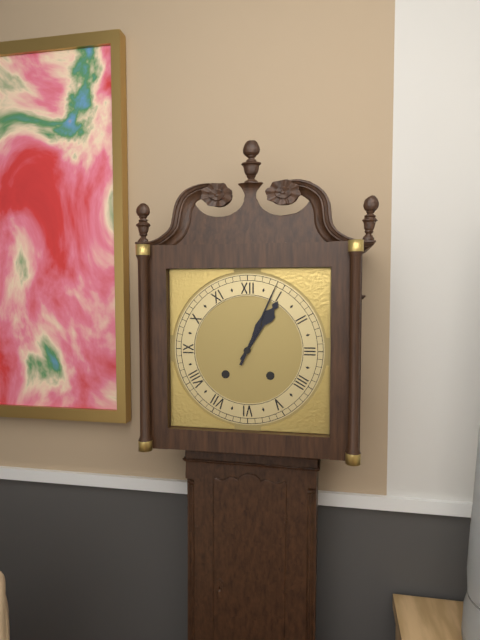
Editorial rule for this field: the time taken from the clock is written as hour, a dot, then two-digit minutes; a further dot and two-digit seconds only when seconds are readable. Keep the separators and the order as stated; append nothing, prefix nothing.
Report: 1.04
